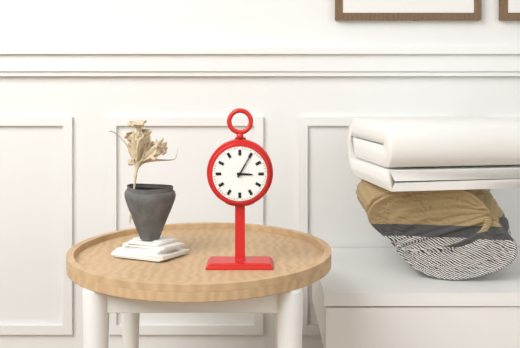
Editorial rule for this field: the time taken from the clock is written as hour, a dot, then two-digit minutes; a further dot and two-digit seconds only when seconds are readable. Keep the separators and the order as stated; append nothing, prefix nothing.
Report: 3.05
